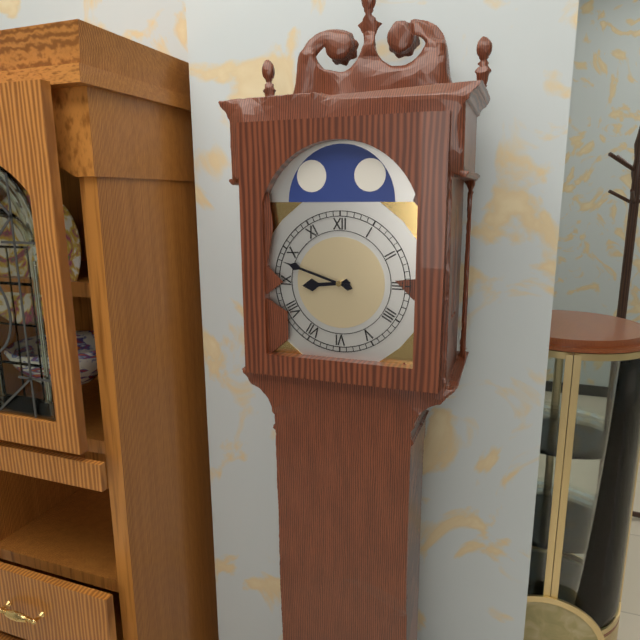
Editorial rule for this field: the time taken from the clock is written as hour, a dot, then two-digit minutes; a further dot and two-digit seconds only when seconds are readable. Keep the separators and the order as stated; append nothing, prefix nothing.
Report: 8.48
